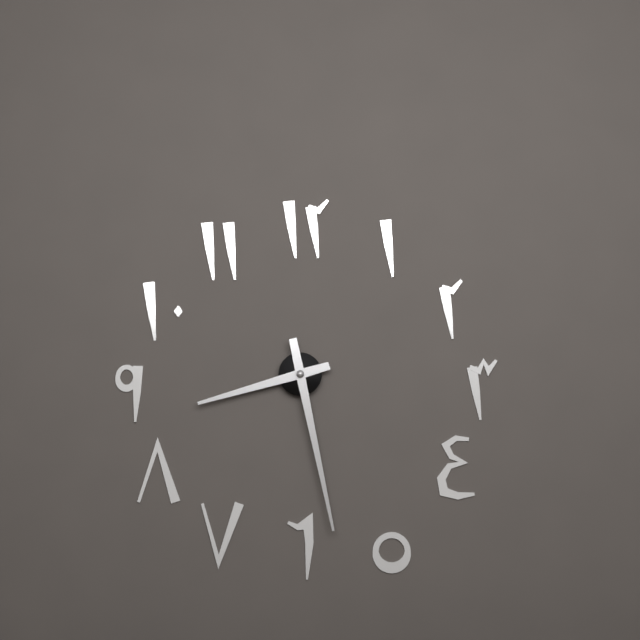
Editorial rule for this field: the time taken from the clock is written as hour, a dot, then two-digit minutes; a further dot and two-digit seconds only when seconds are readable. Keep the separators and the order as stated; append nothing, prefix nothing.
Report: 8.28
